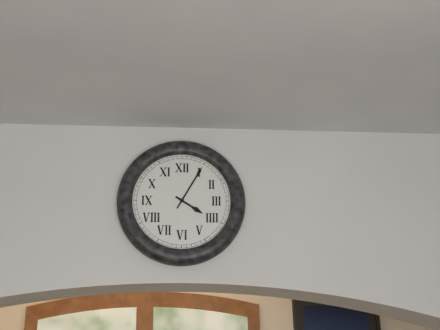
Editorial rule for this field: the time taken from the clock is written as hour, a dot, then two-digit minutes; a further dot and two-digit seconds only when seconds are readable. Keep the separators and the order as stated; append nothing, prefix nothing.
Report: 4.05
